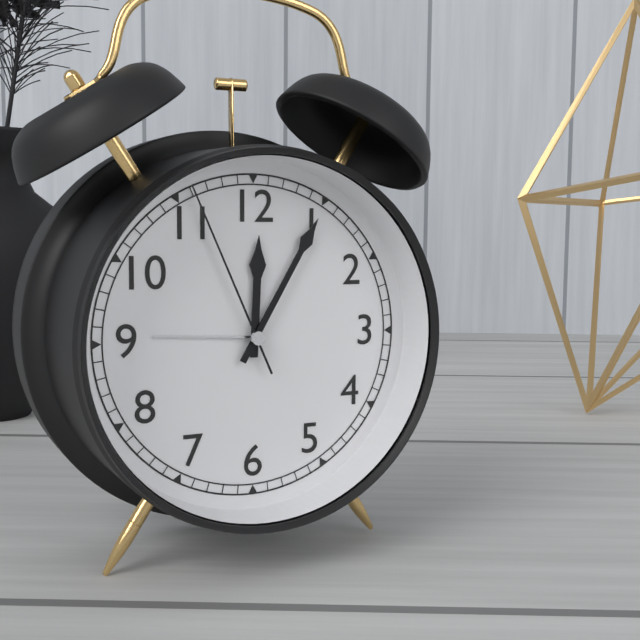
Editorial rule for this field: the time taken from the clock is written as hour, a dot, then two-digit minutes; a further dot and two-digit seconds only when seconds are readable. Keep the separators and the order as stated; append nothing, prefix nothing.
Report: 12.05.56
